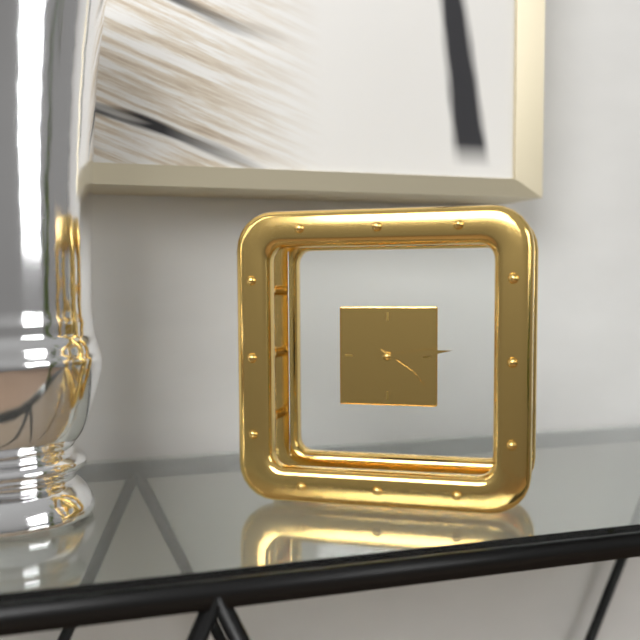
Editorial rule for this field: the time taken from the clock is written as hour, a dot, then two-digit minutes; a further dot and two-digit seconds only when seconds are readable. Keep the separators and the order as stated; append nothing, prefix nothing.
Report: 4.14
